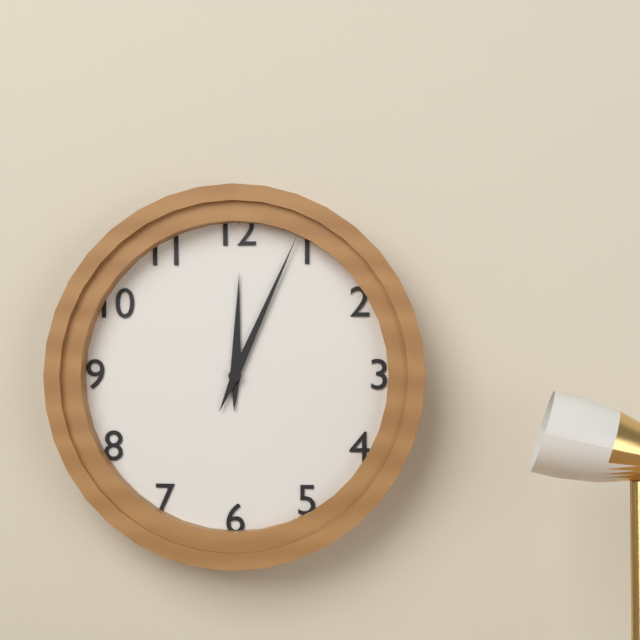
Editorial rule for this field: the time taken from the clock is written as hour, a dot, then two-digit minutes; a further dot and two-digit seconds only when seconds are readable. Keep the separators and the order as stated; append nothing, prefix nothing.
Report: 12.04
